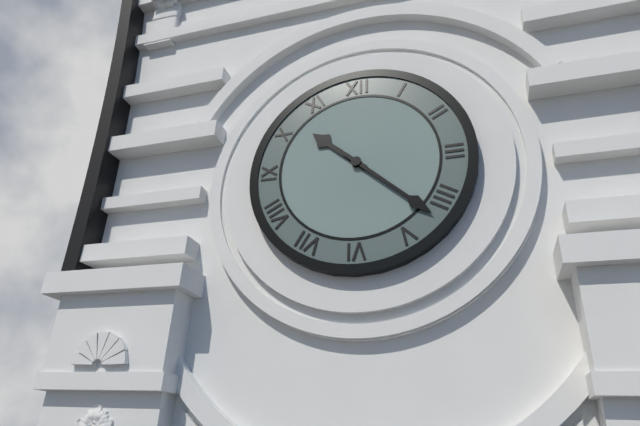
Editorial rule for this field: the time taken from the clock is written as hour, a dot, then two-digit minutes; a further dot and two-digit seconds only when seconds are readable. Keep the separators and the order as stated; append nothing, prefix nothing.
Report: 10.22
